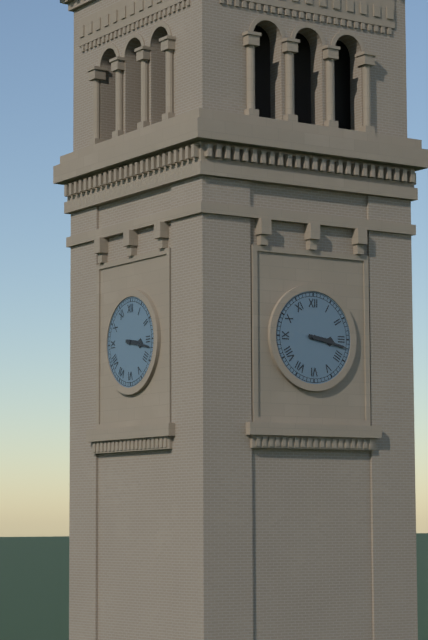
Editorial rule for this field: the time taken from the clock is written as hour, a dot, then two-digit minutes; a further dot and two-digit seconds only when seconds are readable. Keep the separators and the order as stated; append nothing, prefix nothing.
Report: 3.17
